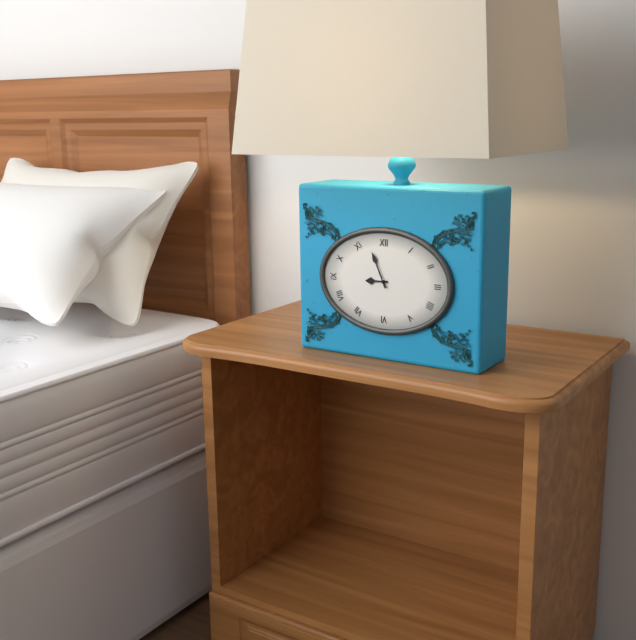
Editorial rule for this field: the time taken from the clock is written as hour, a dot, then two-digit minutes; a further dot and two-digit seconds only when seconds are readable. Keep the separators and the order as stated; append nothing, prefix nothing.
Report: 8.56
